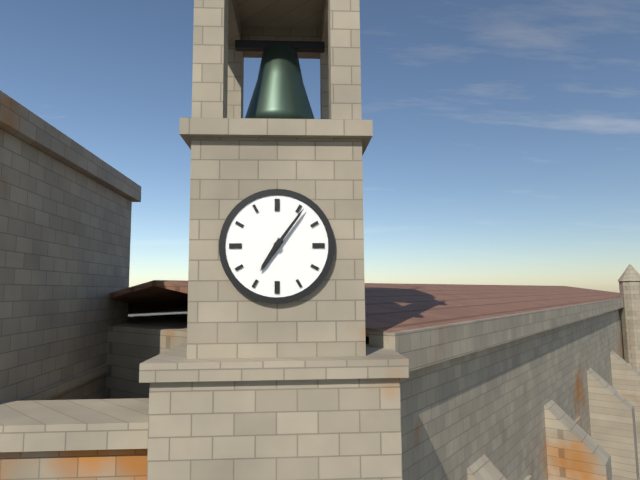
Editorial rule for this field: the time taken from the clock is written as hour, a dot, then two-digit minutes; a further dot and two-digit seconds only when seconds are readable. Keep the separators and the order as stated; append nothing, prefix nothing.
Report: 7.06
